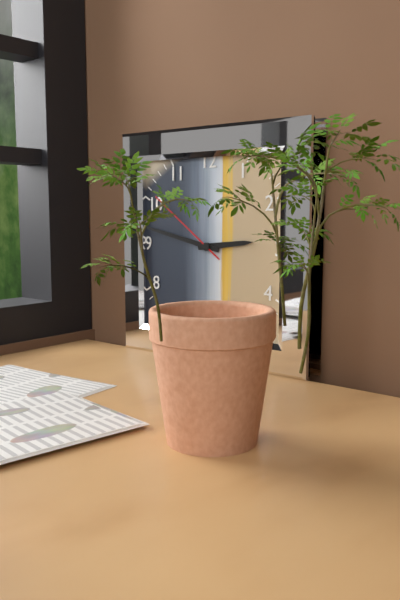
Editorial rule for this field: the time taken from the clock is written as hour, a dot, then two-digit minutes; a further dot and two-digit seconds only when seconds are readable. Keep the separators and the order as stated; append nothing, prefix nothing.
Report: 2.47.51
